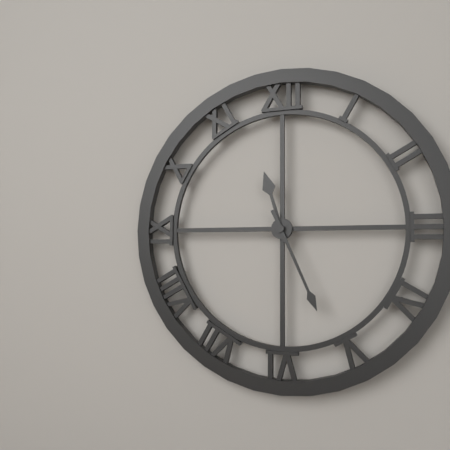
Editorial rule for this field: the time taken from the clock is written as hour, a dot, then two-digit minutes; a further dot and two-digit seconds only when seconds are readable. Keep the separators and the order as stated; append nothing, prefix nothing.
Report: 11.26
